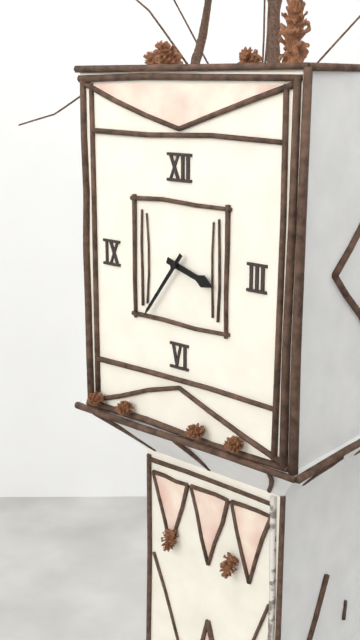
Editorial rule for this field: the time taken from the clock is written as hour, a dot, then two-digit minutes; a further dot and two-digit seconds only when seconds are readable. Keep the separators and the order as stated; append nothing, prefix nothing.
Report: 3.36
